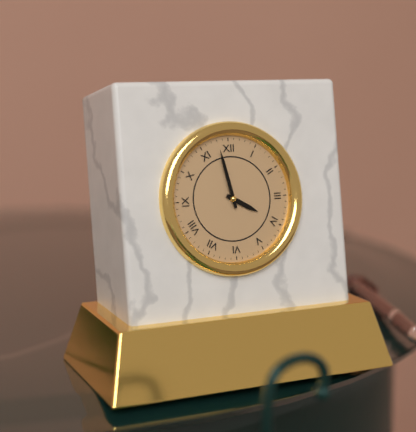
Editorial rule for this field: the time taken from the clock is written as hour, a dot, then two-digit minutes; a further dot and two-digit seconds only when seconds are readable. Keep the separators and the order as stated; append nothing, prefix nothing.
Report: 3.58
